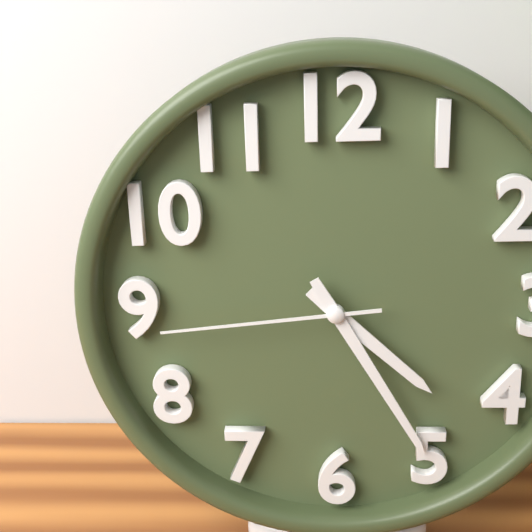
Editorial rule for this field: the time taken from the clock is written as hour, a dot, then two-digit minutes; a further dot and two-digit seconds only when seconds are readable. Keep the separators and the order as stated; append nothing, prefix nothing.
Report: 4.25.44
